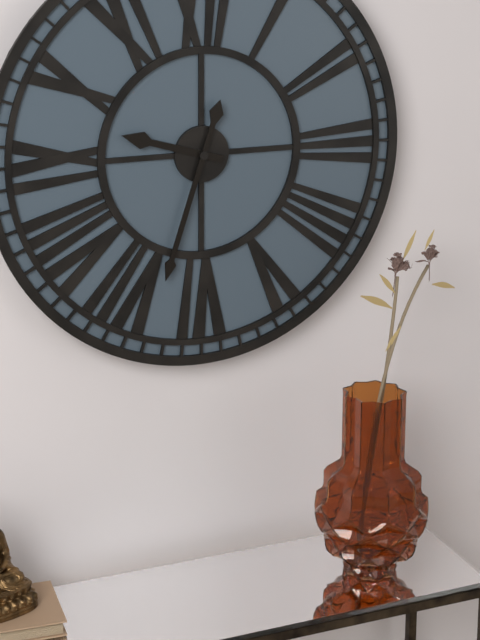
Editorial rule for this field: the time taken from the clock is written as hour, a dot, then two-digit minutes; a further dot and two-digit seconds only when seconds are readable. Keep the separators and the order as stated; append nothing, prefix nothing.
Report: 9.33
